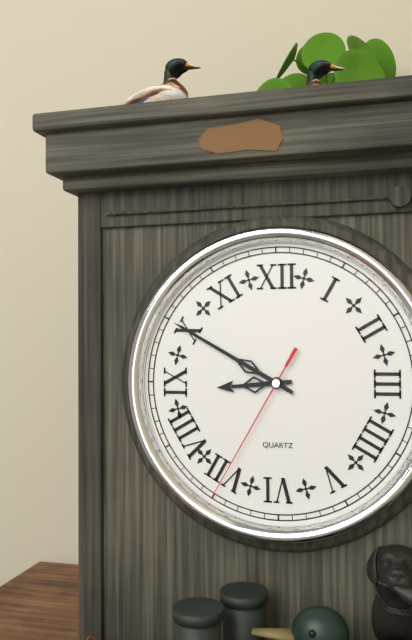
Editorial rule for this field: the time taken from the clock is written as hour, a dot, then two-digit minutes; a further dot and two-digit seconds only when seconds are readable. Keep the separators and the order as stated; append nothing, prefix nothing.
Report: 8.50.35
